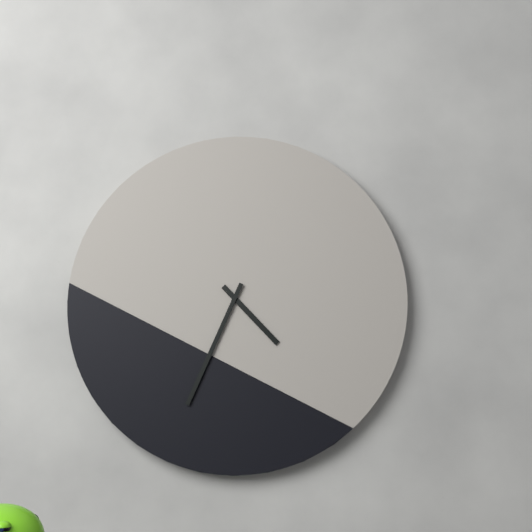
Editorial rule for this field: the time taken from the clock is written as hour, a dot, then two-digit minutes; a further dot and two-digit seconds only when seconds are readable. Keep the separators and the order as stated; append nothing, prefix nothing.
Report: 4.34
